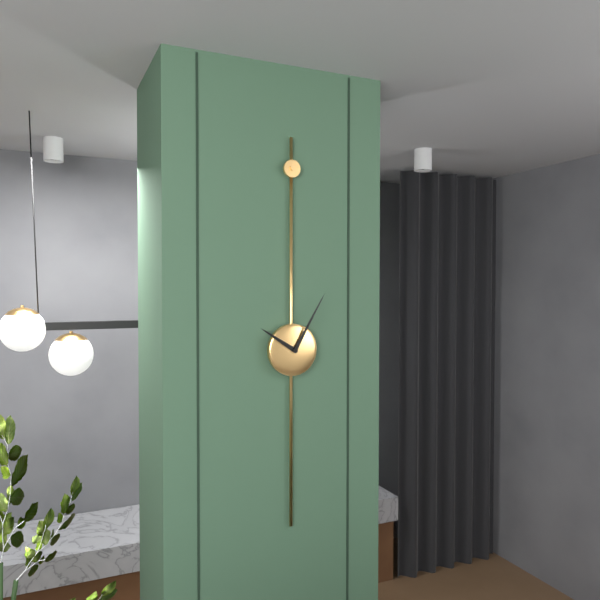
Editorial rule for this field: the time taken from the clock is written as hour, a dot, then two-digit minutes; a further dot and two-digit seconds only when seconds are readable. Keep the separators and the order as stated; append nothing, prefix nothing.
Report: 10.05
